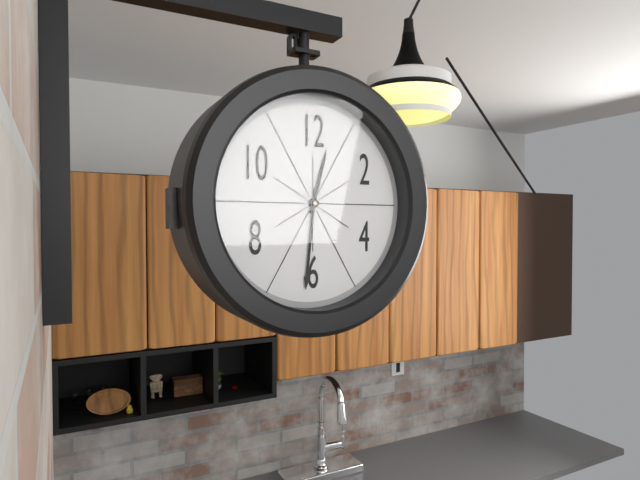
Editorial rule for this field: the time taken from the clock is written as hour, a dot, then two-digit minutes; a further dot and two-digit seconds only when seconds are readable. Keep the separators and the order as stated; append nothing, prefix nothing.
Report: 12.31
